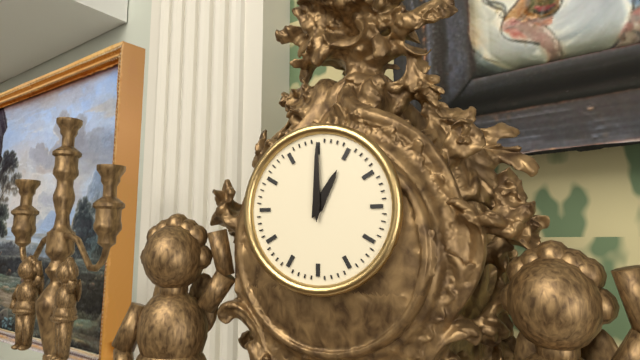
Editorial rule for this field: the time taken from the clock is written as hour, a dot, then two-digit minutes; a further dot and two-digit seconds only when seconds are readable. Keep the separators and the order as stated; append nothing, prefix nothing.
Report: 1.00
